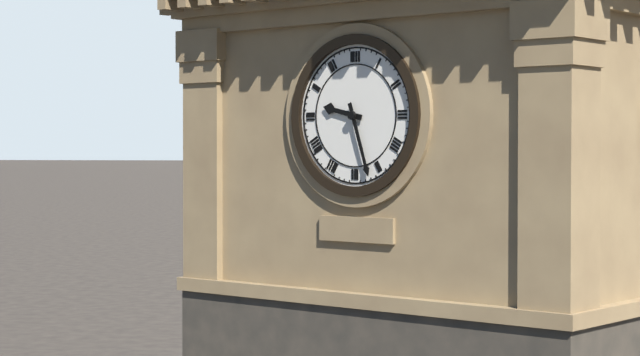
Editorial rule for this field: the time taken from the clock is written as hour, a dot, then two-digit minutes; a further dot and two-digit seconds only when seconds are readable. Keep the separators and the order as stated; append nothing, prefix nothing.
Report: 9.27
